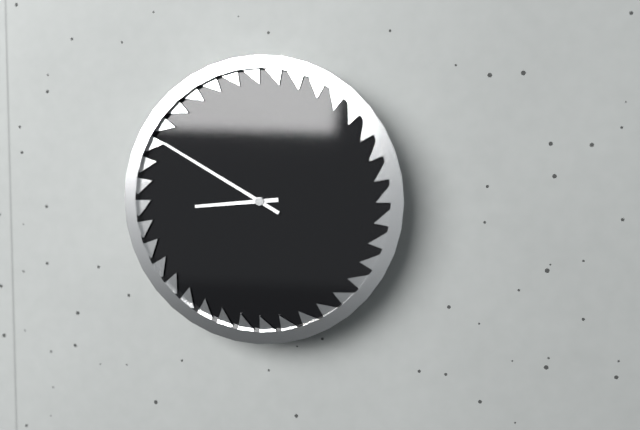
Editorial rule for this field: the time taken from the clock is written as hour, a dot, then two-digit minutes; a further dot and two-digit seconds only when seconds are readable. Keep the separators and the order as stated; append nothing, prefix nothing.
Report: 8.50
